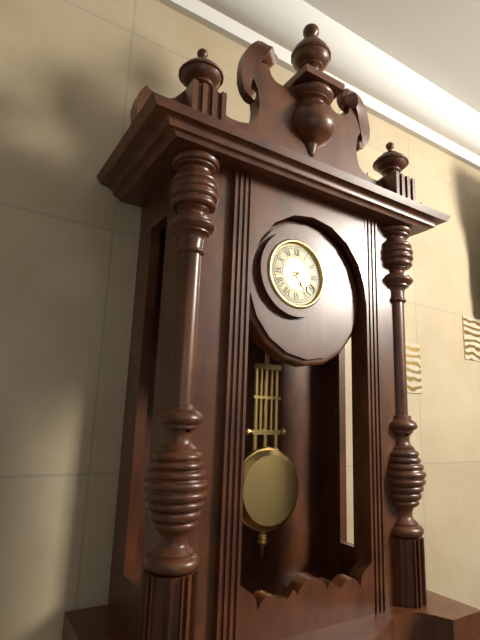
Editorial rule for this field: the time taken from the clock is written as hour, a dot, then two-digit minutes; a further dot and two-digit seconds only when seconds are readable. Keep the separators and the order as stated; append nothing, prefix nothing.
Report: 4.42
